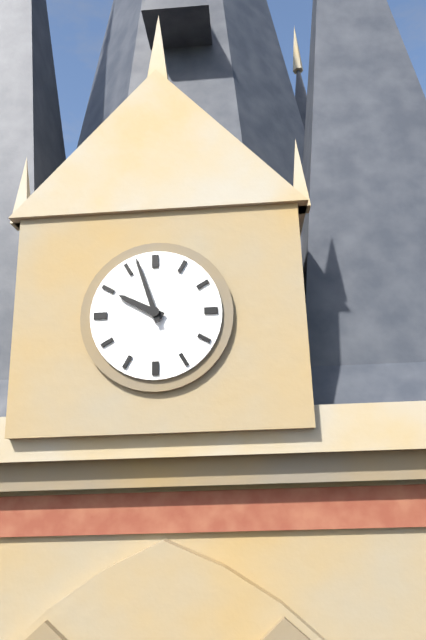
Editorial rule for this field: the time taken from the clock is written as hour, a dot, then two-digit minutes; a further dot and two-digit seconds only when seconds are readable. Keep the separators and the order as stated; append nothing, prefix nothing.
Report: 9.57
